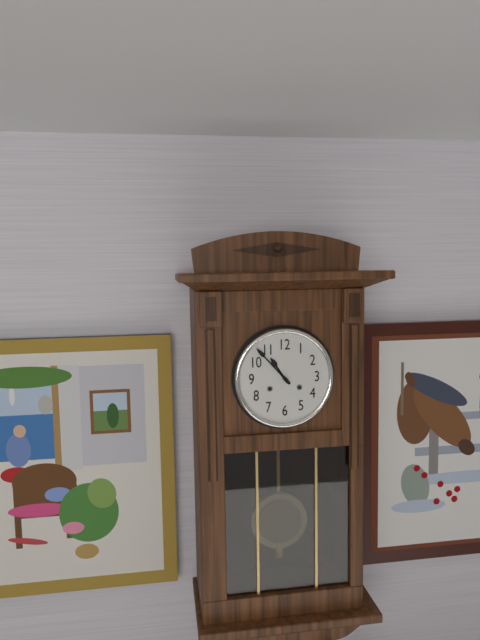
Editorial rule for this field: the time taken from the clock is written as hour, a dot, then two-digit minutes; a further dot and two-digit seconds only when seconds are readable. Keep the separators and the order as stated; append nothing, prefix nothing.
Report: 10.53
